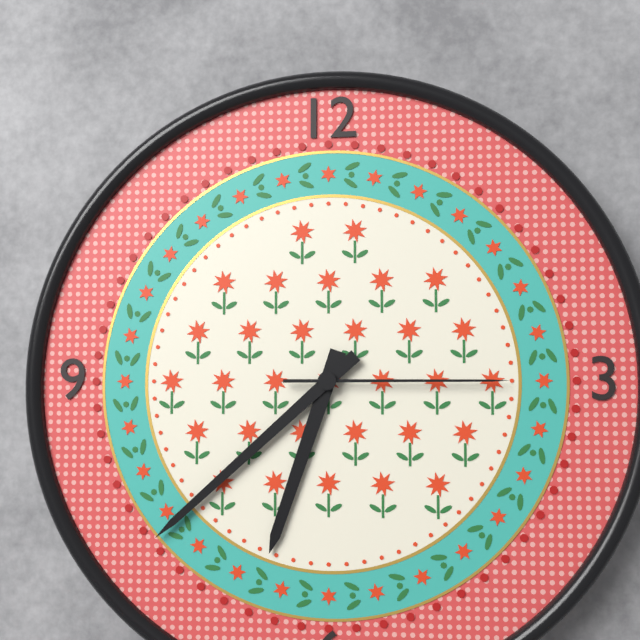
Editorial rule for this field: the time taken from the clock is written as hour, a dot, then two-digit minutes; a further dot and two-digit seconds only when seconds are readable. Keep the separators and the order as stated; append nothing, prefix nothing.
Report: 6.38.15
